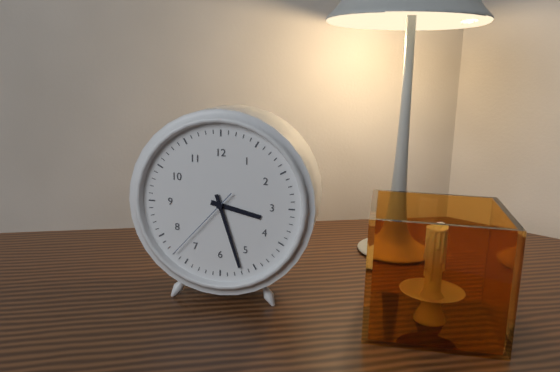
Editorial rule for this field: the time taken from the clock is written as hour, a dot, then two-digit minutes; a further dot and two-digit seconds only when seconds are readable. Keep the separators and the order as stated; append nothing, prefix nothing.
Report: 3.27.37
